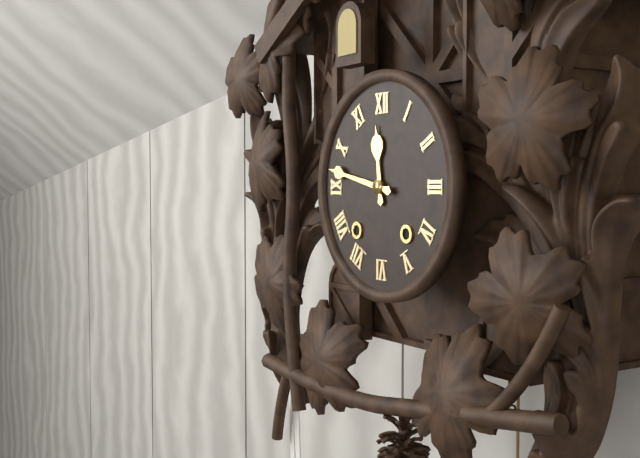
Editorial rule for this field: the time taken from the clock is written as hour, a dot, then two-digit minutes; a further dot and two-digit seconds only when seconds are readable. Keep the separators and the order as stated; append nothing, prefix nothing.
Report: 11.47
